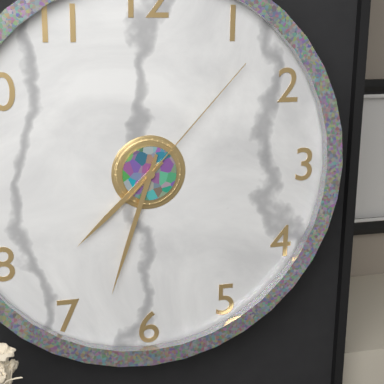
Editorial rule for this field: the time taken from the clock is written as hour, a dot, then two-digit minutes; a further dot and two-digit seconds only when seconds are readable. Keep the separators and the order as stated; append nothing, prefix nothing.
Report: 7.33.07
